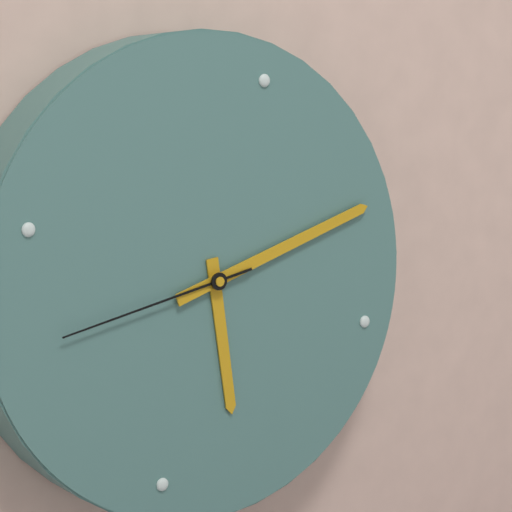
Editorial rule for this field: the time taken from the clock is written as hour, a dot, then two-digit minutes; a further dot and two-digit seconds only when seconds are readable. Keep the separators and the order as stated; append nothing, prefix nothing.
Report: 5.09.40
